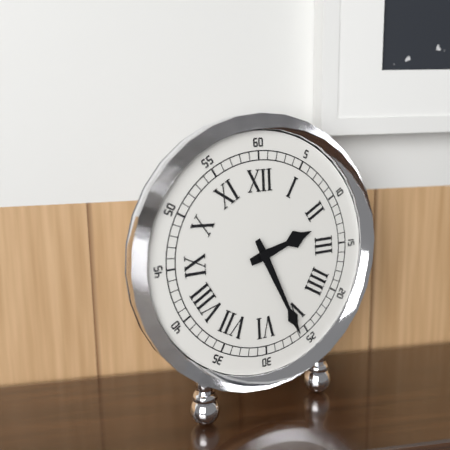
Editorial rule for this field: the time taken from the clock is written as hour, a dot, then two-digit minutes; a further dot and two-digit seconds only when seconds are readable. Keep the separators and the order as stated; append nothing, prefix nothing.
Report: 2.26
